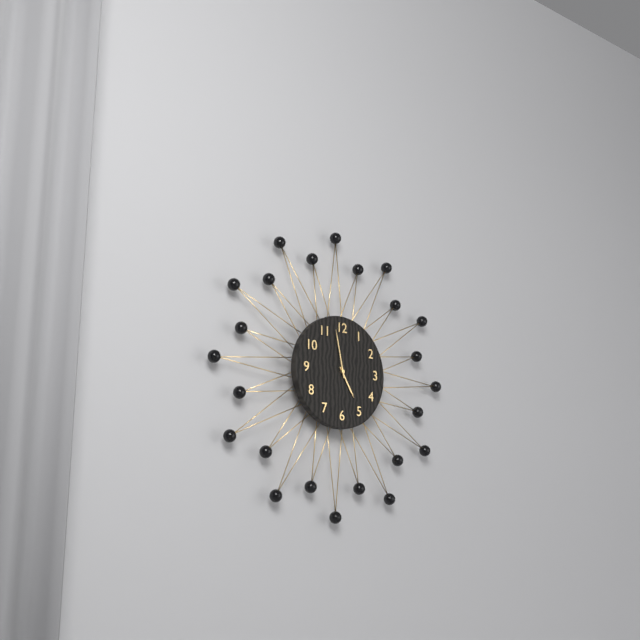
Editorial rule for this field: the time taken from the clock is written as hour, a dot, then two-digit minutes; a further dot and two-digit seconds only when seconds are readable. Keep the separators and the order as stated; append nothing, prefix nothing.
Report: 4.58
